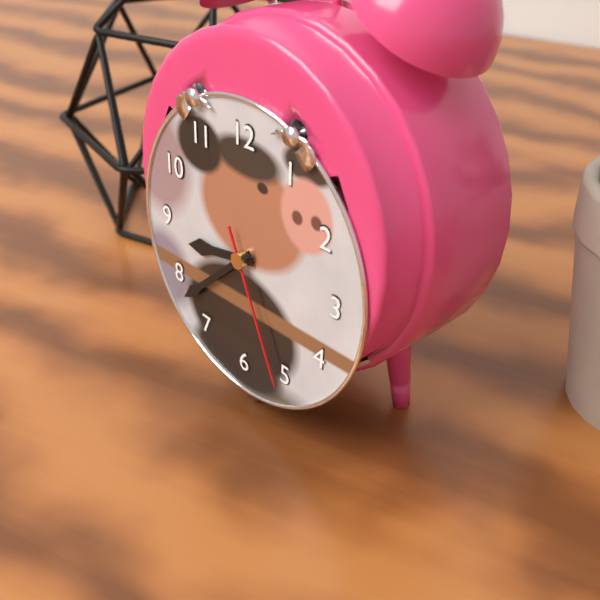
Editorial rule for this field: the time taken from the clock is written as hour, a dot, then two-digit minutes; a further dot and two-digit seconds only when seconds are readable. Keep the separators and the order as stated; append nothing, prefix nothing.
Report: 8.38.26
